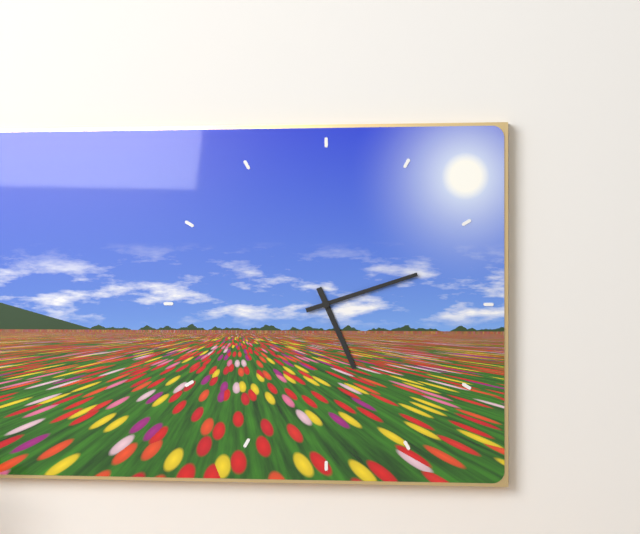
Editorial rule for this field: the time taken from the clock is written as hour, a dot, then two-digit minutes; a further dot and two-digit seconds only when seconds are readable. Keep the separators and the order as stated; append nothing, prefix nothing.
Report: 5.12
